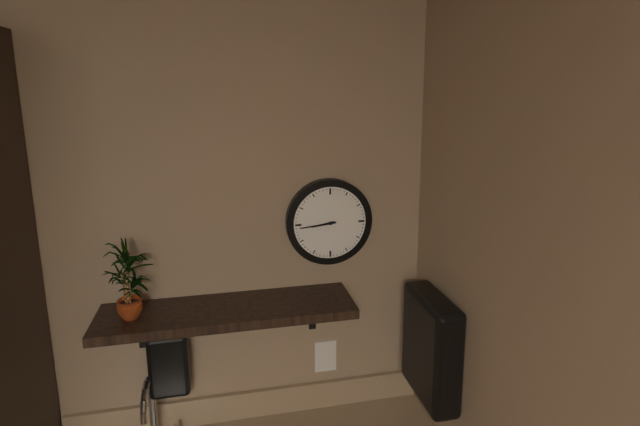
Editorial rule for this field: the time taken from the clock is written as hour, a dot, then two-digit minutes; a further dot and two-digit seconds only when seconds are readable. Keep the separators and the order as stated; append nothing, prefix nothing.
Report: 8.44
